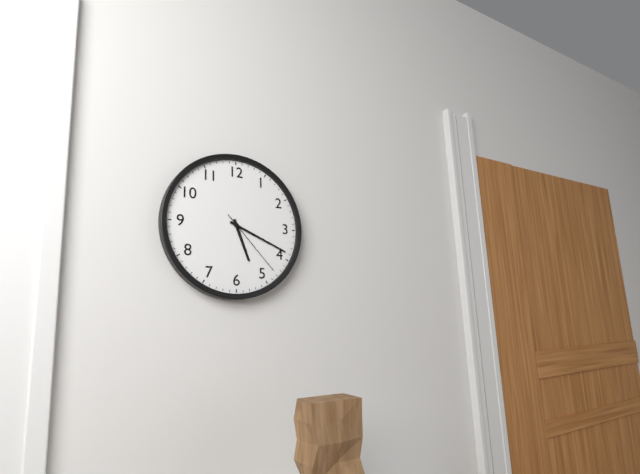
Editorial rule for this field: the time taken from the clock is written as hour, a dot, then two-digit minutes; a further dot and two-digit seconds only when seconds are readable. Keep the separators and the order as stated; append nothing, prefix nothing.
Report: 5.19.23
